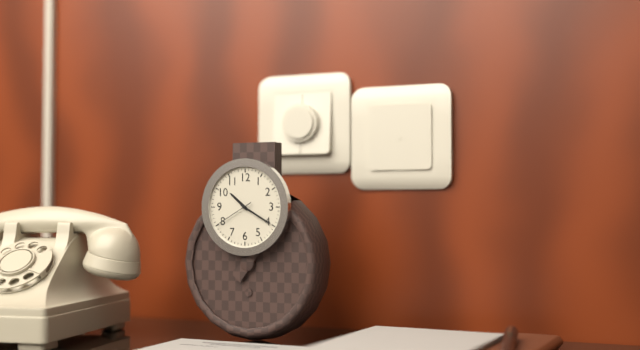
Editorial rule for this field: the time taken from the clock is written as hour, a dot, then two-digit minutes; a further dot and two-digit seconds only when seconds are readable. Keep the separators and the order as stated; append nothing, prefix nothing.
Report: 10.20
